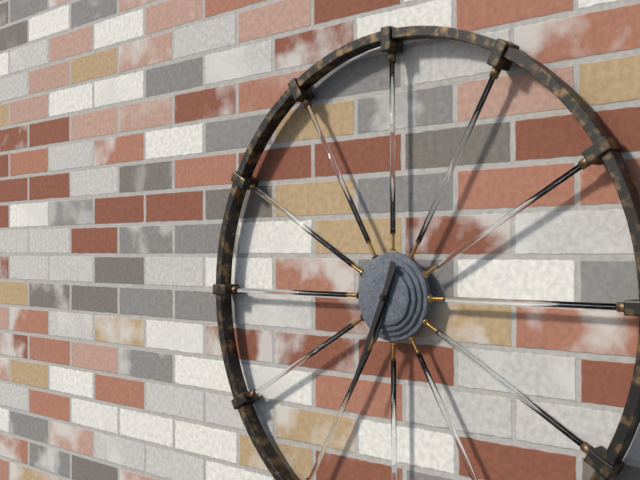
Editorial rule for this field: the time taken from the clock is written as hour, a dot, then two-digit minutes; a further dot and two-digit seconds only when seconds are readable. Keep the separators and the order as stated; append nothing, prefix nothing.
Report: 6.34
